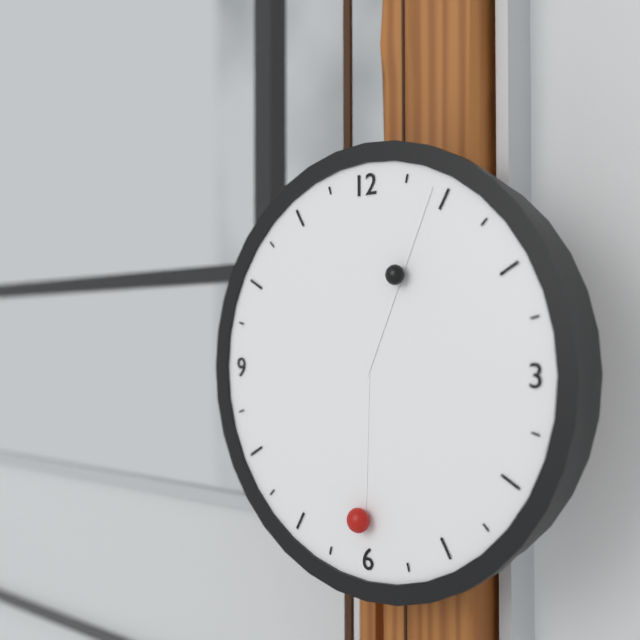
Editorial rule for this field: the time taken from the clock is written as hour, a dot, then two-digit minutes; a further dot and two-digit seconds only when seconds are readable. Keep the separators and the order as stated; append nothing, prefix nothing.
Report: 6.04
